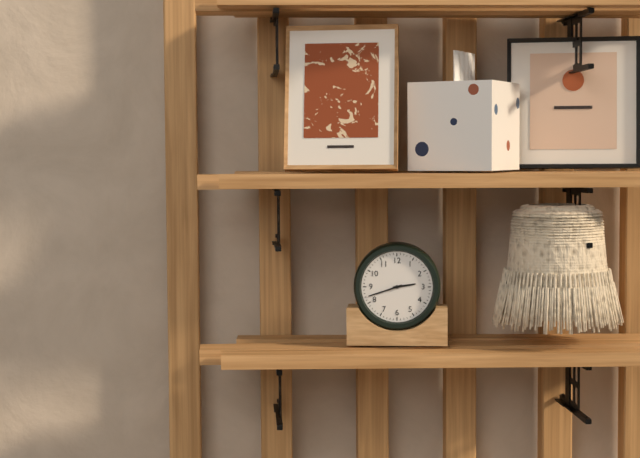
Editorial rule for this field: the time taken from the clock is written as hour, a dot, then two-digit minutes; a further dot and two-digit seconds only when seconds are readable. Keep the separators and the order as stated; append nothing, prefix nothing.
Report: 2.42
